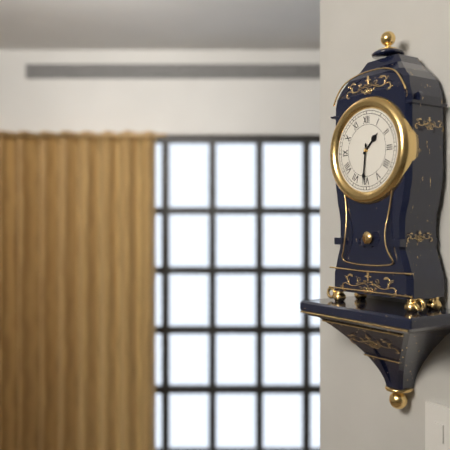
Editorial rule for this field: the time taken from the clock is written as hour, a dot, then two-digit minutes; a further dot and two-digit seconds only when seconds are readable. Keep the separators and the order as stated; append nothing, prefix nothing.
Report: 1.31
